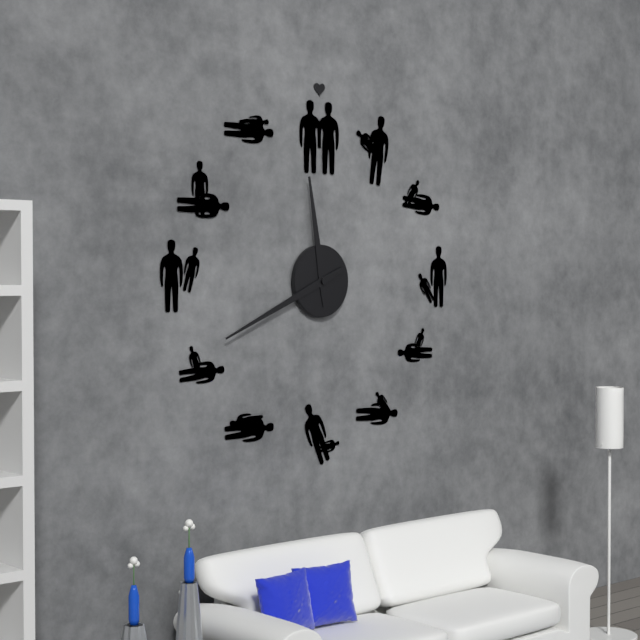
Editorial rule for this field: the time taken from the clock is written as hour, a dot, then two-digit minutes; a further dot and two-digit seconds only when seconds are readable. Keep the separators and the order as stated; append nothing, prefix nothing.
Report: 11.41
